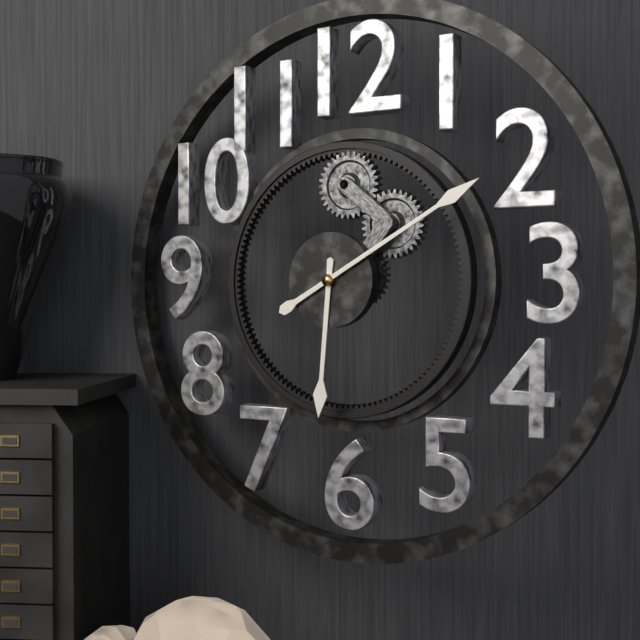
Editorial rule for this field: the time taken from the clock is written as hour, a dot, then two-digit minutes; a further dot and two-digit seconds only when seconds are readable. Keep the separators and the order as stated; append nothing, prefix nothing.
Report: 6.10
